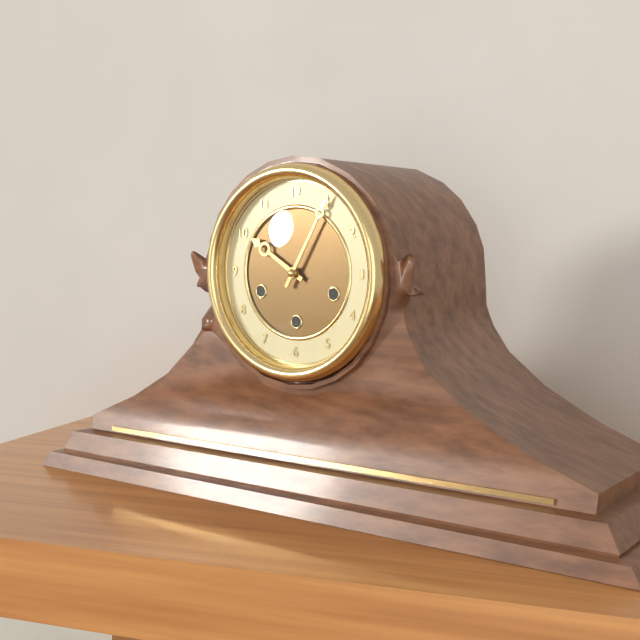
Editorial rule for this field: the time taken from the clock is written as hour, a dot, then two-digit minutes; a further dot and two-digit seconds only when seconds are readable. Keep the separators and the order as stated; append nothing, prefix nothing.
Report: 10.05
